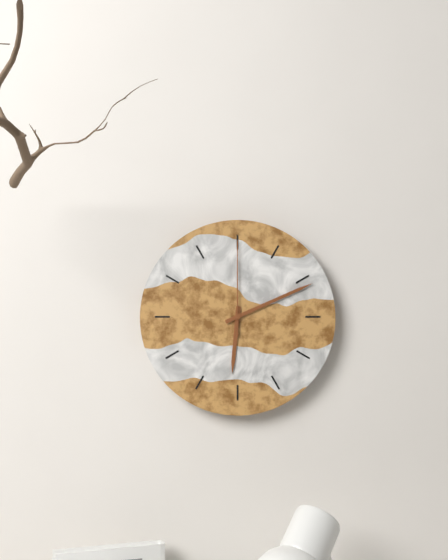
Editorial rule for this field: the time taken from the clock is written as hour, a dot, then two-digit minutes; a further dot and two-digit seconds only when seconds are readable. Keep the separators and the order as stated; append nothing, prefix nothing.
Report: 6.11.00
